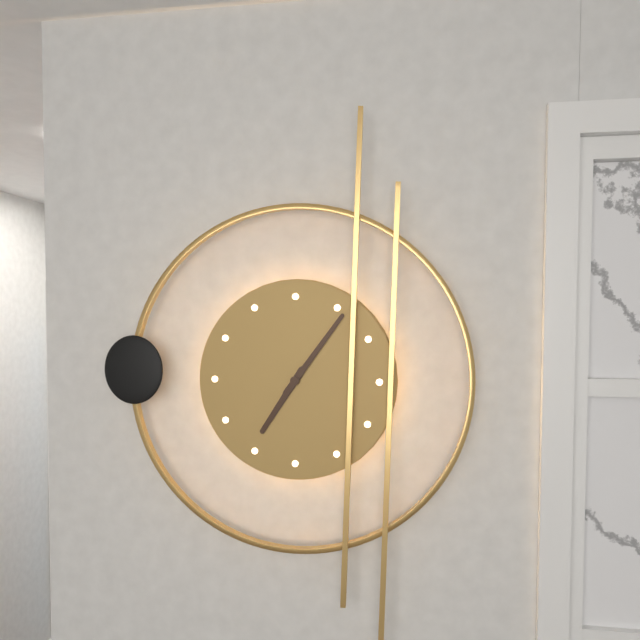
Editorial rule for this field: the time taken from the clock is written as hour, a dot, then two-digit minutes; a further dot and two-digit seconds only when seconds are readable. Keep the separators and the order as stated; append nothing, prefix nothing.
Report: 7.06
